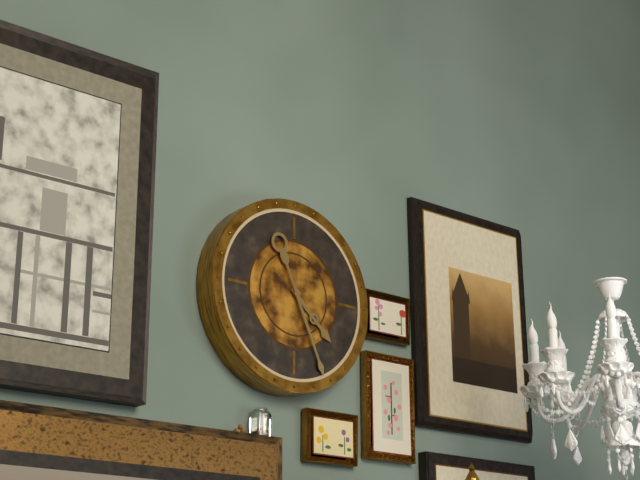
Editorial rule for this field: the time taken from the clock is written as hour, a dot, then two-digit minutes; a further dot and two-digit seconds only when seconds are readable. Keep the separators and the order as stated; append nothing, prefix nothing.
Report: 4.26
